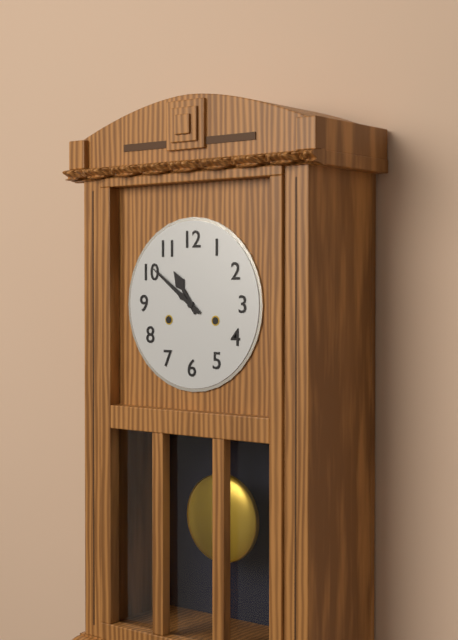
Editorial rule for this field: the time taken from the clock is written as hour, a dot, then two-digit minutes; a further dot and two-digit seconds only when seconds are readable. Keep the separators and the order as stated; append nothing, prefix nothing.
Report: 10.51
